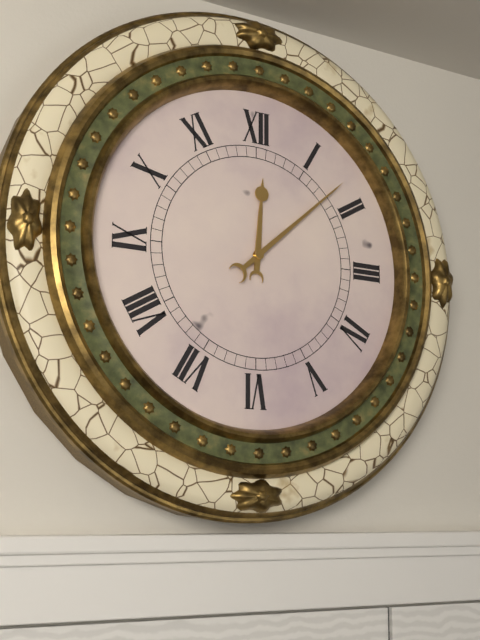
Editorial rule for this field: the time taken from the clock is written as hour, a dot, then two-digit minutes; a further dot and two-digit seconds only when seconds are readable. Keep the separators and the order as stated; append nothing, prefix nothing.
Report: 12.08
